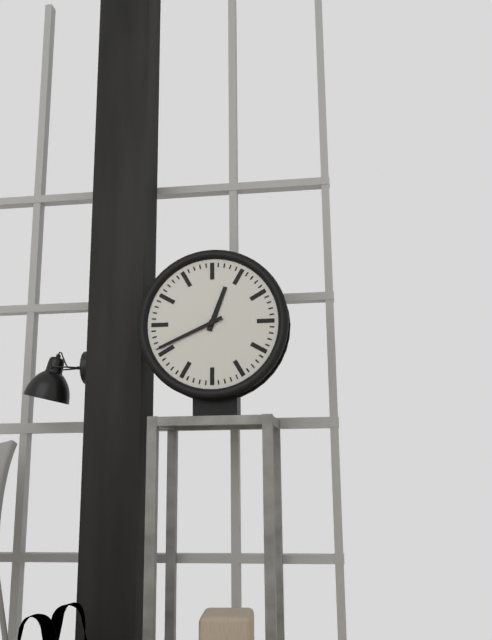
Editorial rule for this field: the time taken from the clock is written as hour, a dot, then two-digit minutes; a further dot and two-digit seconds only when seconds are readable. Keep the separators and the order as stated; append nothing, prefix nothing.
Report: 12.41
